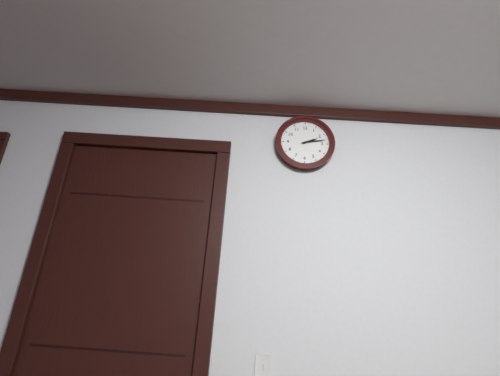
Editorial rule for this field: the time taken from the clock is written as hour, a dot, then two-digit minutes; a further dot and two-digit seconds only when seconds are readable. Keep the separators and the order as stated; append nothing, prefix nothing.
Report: 2.13
